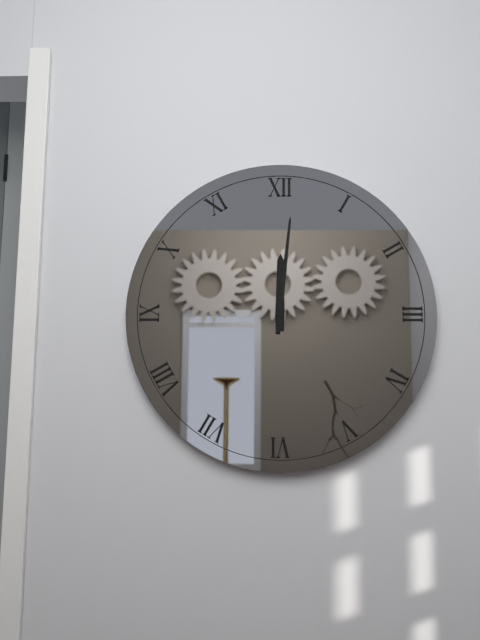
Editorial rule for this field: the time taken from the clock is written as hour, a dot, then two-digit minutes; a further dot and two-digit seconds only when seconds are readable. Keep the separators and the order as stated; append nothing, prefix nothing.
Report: 12.01
